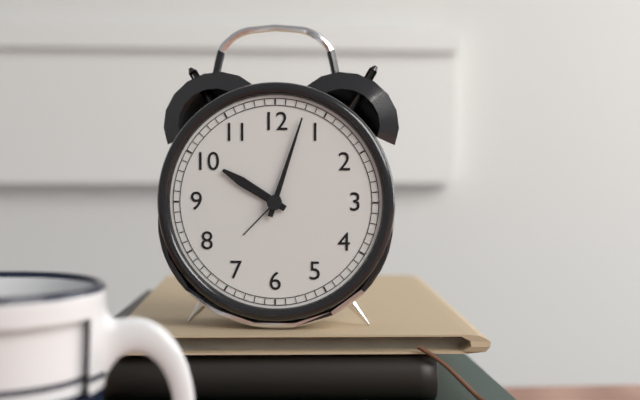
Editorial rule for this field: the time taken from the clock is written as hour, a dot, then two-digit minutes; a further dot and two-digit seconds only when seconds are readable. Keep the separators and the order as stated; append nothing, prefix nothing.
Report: 10.03
